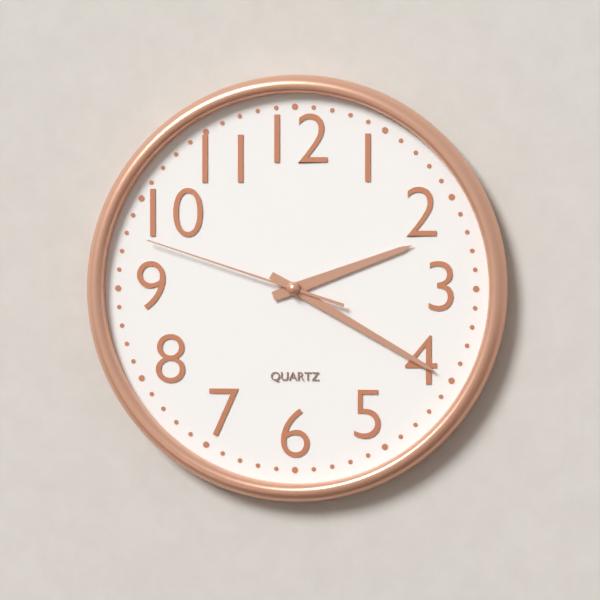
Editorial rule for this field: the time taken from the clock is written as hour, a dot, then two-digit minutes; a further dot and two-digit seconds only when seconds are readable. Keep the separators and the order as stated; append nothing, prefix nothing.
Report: 2.20.48
